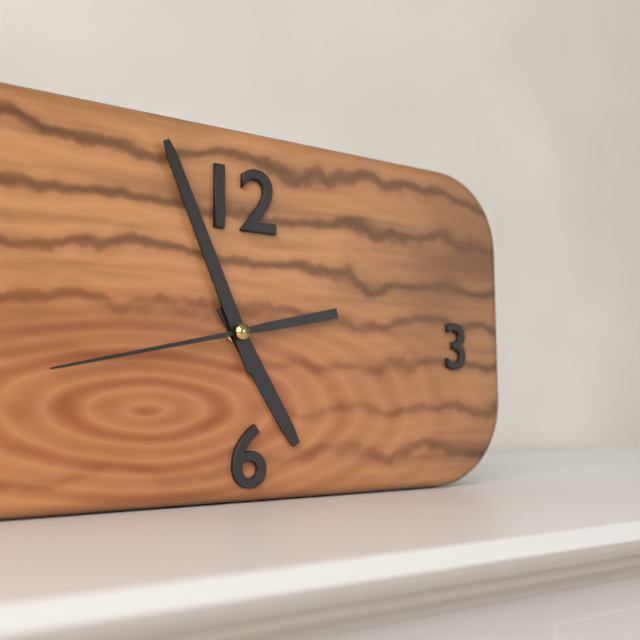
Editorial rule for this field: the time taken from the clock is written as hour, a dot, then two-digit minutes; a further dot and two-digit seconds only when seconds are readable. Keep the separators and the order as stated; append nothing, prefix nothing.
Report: 4.56.43
